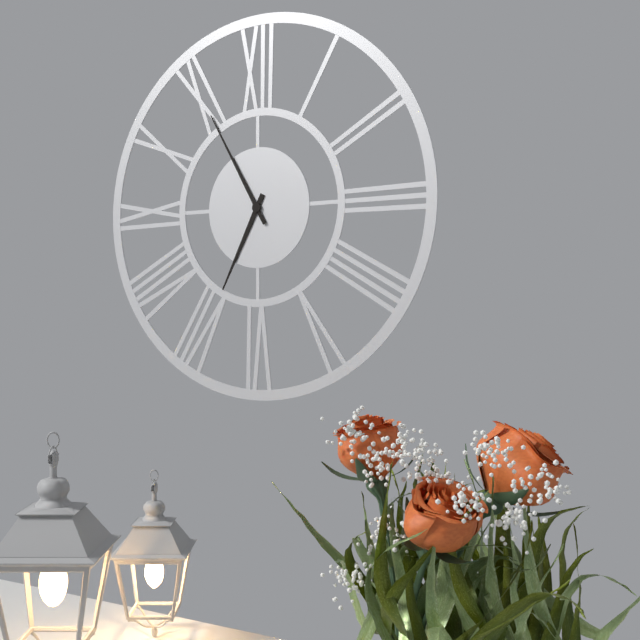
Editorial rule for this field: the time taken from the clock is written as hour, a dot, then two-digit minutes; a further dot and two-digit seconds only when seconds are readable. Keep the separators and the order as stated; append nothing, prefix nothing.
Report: 6.55
